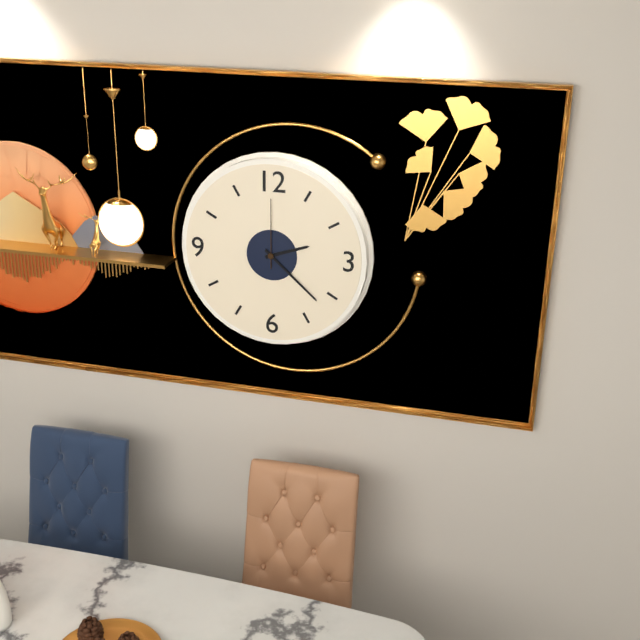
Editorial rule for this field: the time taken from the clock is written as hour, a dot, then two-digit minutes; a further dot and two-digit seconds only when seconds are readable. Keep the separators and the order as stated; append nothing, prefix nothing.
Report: 2.22.00
